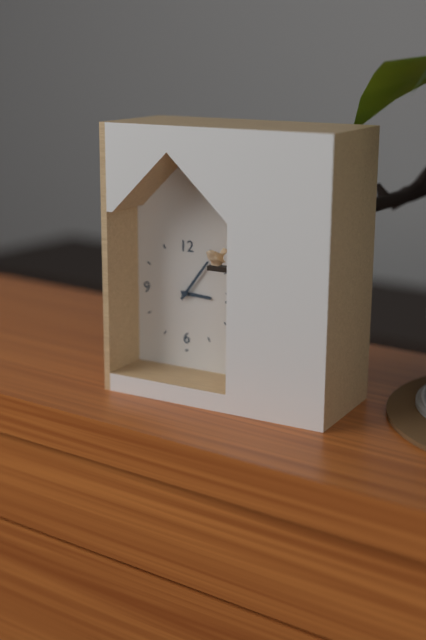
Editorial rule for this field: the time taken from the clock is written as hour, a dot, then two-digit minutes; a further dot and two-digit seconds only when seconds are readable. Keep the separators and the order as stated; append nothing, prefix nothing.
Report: 3.06
